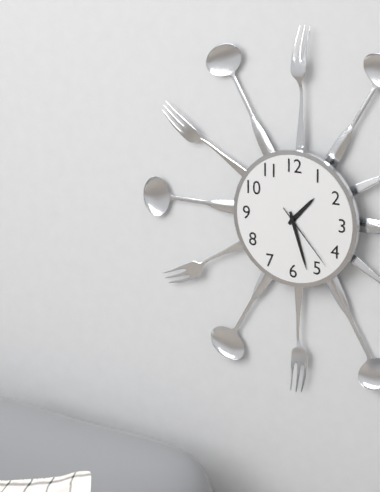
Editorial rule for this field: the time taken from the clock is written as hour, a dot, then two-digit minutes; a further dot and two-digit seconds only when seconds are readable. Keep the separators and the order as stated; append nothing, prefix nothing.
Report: 1.27.23
